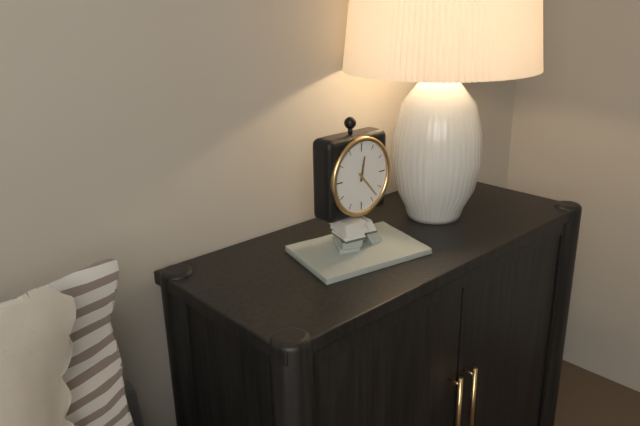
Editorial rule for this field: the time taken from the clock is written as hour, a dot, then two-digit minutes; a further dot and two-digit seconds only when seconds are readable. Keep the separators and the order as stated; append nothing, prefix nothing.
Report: 12.23
